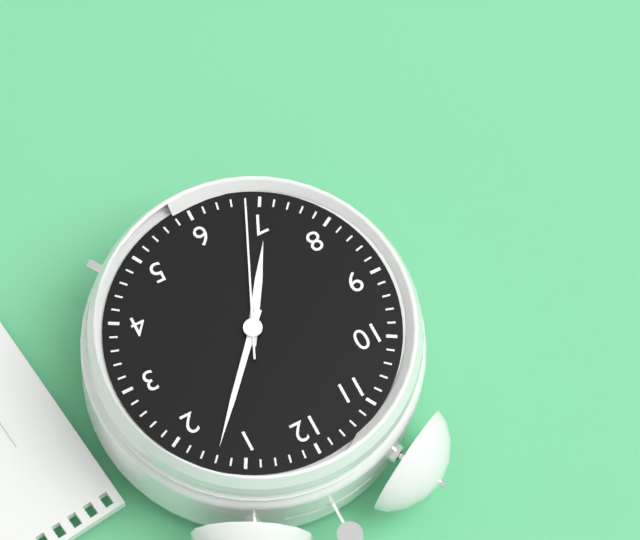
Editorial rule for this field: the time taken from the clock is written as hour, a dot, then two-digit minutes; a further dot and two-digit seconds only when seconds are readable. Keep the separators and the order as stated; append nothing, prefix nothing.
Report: 7.07.34
